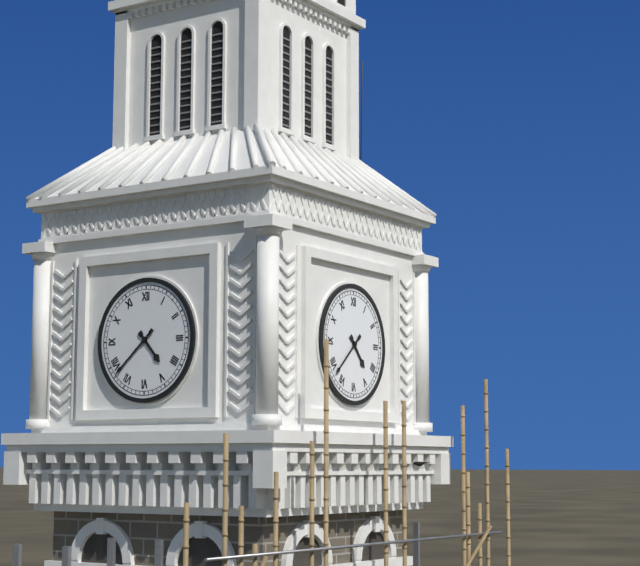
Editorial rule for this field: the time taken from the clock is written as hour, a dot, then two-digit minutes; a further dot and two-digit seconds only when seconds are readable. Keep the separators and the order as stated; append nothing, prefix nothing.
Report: 4.38
